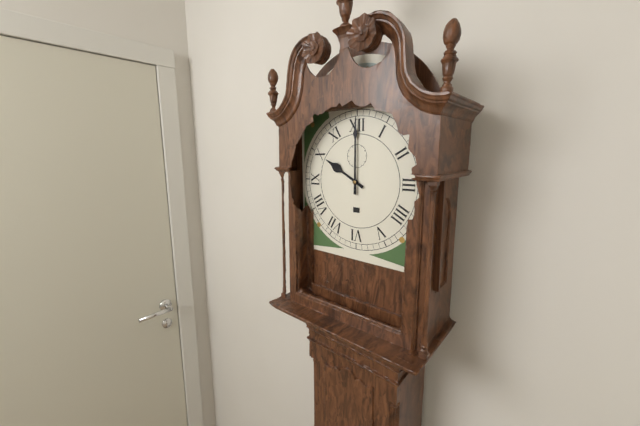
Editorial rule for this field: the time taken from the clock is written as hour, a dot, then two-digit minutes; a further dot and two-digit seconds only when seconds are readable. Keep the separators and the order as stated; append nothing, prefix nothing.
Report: 10.00
